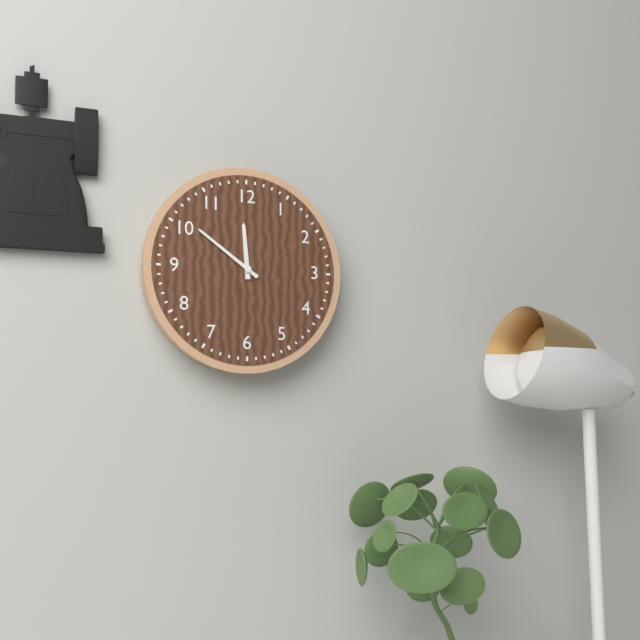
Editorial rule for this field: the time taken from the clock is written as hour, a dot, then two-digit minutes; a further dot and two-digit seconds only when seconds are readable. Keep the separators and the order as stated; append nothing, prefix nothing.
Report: 11.51
